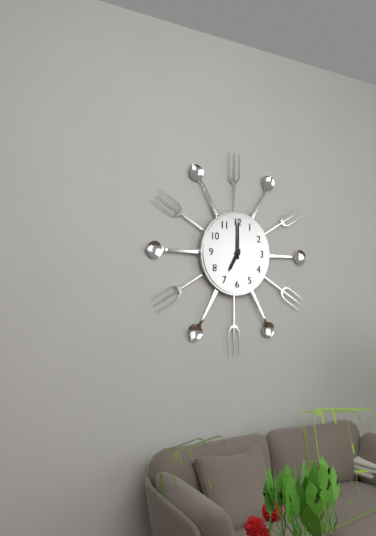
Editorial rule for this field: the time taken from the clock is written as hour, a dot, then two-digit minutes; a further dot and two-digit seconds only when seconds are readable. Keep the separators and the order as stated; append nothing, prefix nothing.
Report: 7.00
